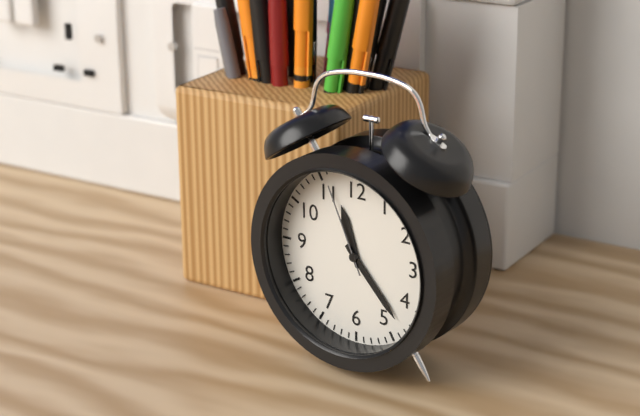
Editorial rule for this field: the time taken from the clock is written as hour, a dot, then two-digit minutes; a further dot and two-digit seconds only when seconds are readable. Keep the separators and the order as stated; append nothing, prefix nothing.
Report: 11.23.56
